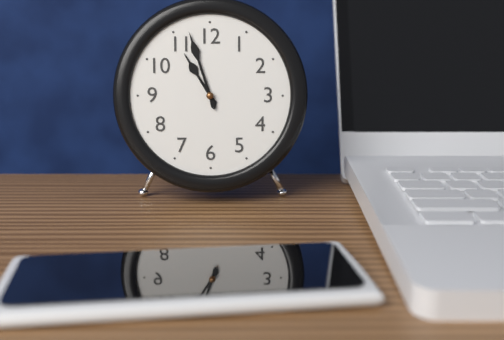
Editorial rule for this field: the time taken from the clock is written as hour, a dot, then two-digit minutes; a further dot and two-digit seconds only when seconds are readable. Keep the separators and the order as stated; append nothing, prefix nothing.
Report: 10.57
